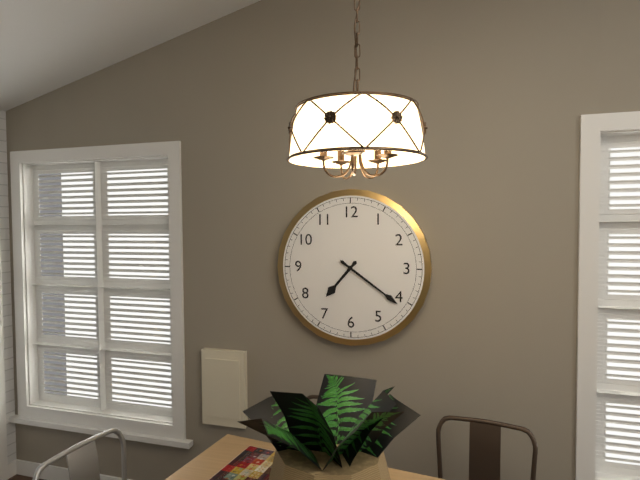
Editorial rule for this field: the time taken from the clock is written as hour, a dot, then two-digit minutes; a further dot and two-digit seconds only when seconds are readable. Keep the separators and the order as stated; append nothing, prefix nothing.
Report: 7.21
